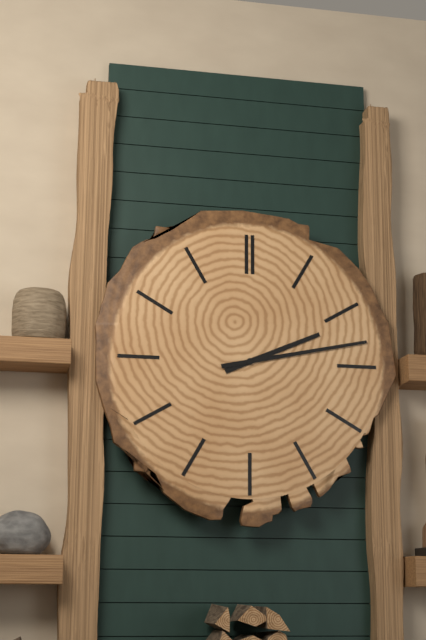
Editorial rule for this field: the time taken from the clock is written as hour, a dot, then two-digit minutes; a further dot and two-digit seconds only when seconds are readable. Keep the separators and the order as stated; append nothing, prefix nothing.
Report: 2.13
